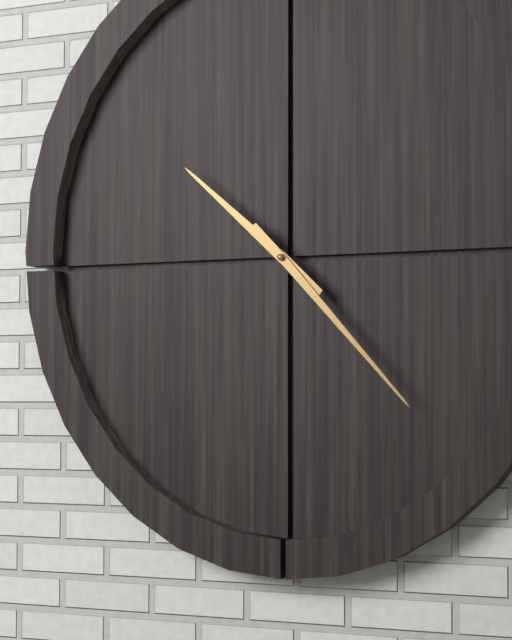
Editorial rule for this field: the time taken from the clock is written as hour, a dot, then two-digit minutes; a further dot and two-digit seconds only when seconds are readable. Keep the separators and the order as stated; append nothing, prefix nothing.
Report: 10.23
